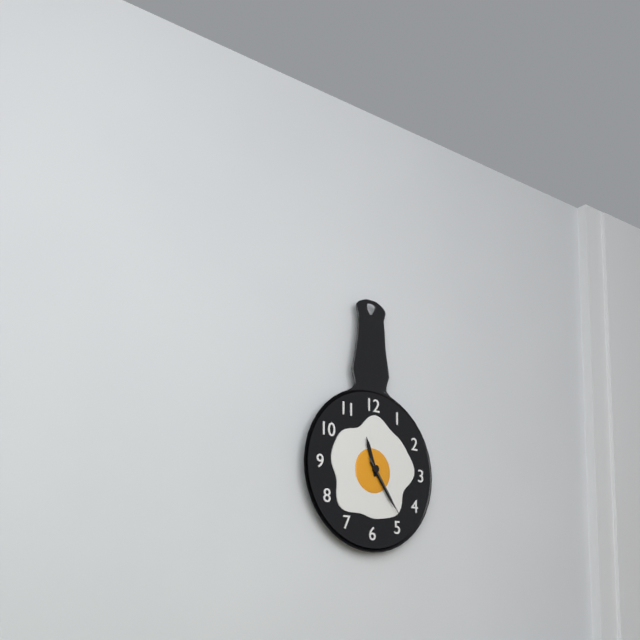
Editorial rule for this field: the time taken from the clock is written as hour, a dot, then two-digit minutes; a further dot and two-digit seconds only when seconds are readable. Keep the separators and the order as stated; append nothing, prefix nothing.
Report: 11.24.24
